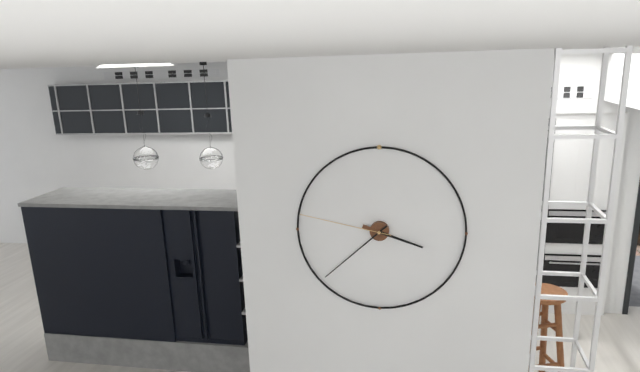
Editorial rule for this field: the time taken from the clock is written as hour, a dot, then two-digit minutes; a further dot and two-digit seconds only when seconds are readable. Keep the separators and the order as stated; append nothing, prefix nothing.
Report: 3.38.47
